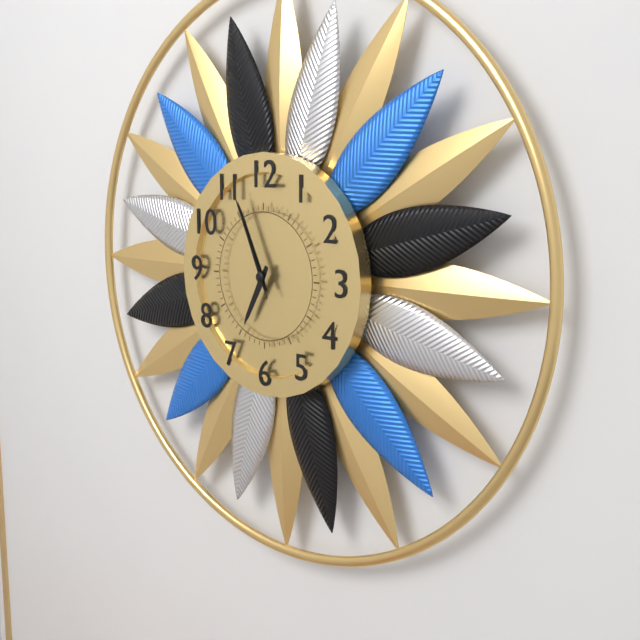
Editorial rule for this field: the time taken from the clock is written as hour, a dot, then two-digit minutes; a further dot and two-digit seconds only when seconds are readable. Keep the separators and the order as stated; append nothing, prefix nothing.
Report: 6.56.56
